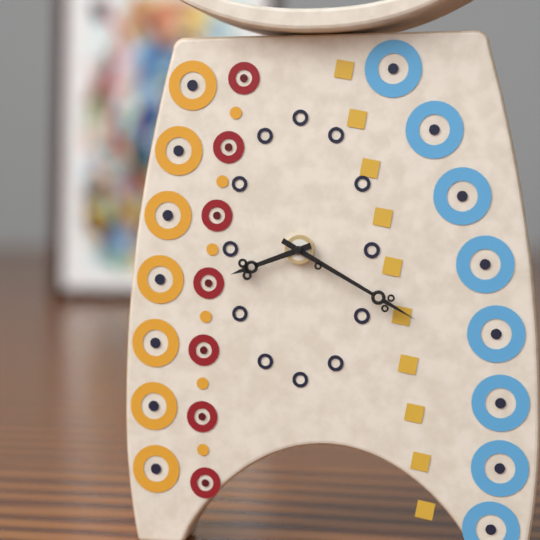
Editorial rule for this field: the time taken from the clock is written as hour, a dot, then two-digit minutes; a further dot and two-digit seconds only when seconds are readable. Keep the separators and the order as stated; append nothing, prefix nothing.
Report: 8.20
